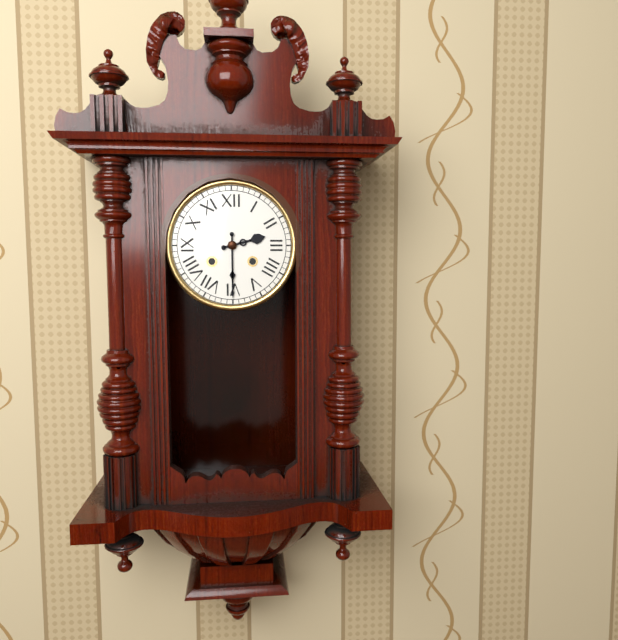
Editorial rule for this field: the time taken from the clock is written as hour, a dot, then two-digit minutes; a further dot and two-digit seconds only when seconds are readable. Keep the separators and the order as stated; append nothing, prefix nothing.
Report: 2.30
